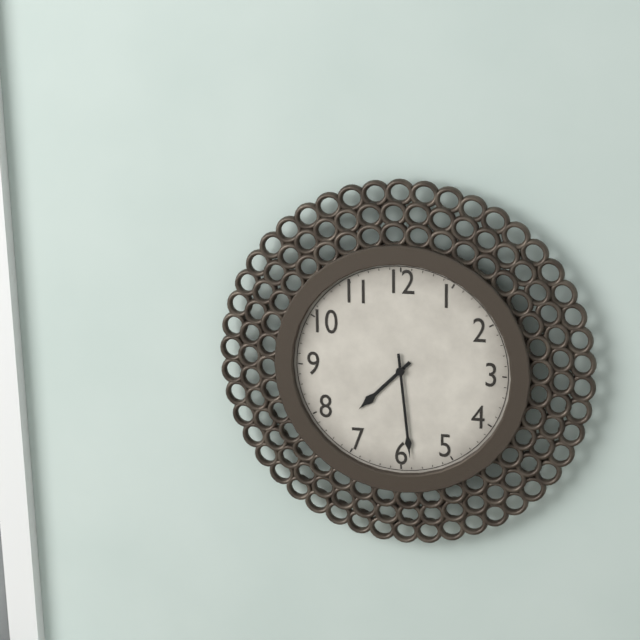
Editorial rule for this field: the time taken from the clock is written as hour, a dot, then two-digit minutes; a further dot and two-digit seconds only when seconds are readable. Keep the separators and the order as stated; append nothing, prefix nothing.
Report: 7.29
